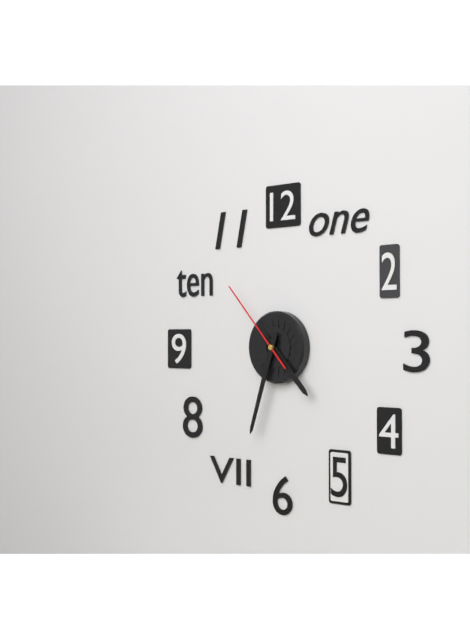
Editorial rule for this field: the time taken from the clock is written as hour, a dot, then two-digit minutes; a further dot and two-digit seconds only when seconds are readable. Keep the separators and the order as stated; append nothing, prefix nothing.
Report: 4.33.53
